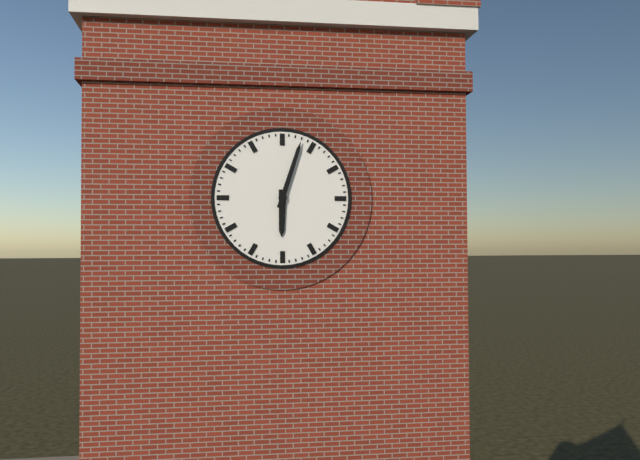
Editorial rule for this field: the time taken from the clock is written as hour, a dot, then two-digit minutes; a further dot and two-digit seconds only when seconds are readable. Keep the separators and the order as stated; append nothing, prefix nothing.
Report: 6.03
